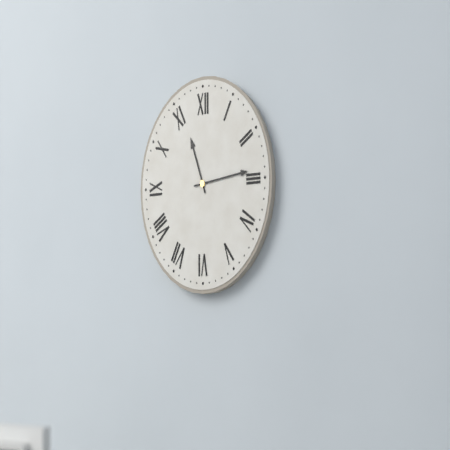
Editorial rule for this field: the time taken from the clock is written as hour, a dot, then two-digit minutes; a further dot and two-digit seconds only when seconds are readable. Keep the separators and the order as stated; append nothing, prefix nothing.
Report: 11.14
